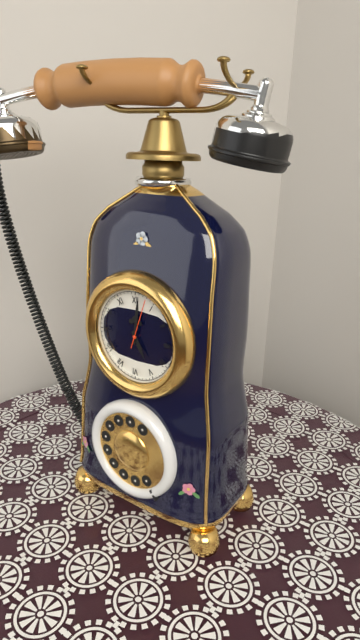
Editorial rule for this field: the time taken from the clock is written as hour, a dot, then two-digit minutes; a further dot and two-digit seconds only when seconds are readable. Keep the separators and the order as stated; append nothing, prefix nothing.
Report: 5.01
